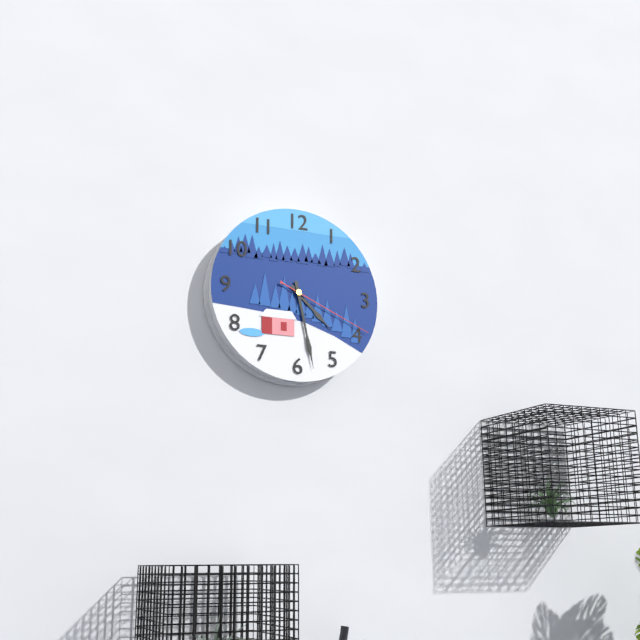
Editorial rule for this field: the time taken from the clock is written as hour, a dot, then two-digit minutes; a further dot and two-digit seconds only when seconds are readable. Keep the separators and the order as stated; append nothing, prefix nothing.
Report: 4.28.19
